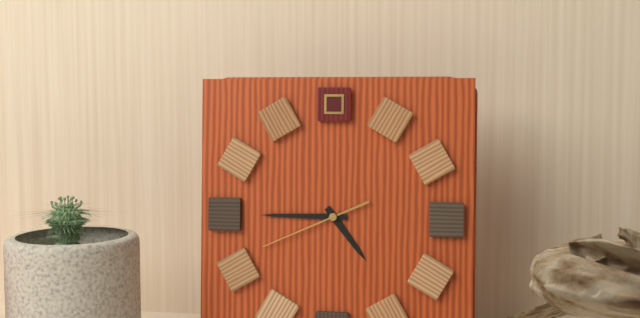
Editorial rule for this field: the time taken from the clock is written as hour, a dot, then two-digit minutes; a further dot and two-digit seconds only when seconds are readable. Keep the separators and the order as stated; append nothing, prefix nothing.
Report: 4.45.41
